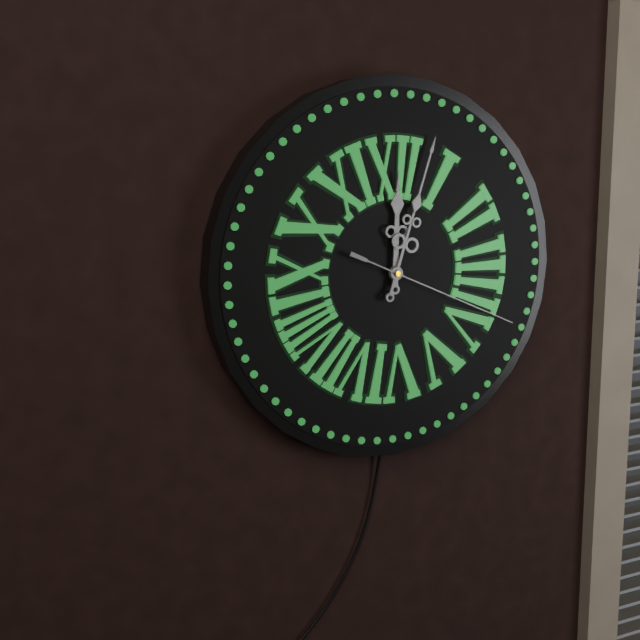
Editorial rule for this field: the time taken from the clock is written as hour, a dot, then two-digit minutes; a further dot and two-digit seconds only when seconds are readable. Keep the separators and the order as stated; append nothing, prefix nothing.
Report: 12.03.19
